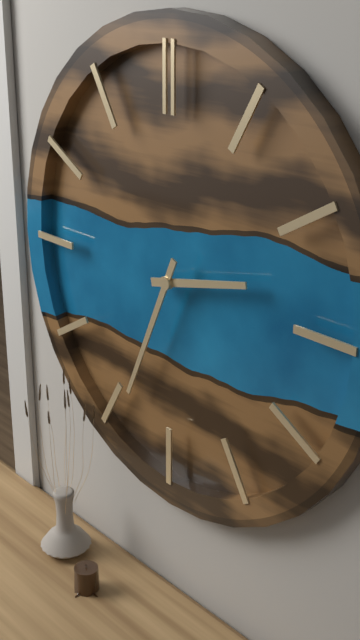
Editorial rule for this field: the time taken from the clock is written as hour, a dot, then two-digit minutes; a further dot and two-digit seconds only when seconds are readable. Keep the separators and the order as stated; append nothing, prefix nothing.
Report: 2.34
